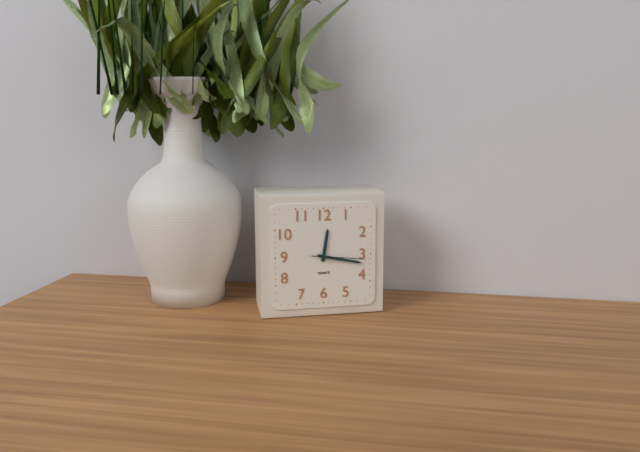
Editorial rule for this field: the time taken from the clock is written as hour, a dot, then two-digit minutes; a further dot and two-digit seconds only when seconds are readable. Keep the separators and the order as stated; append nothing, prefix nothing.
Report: 12.17.16
